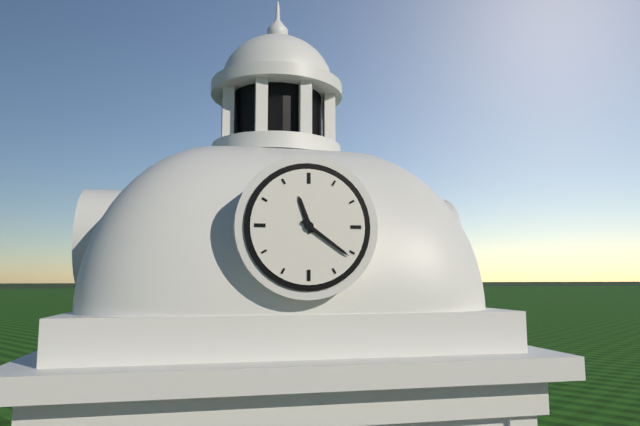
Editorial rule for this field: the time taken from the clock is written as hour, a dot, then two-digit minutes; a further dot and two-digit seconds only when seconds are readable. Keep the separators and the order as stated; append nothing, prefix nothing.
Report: 11.21
